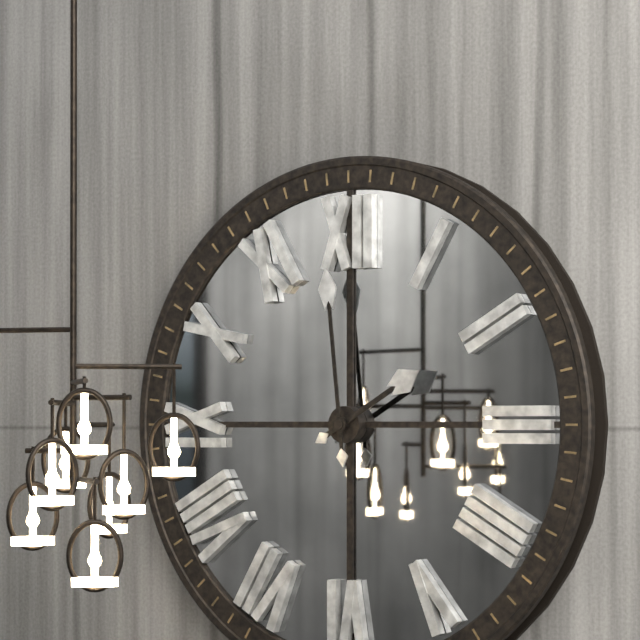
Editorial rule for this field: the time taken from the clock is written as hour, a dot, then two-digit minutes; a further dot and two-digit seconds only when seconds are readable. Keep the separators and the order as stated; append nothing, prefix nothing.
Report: 1.59
